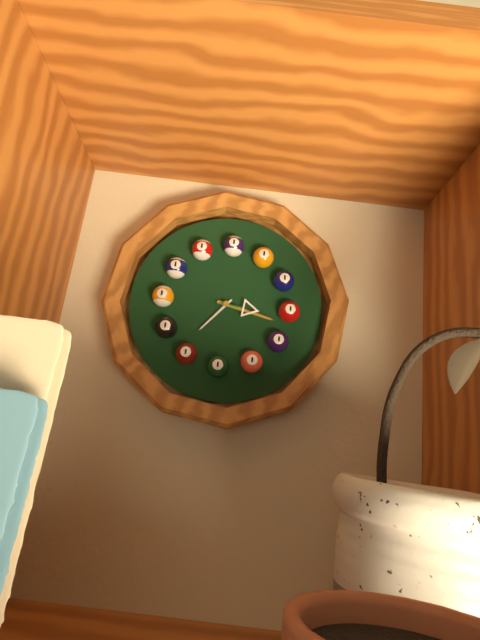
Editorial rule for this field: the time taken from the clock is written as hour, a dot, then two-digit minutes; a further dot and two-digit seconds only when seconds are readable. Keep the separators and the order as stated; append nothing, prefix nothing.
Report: 7.17
